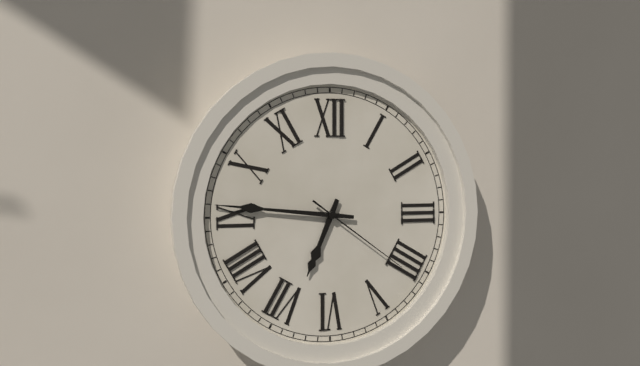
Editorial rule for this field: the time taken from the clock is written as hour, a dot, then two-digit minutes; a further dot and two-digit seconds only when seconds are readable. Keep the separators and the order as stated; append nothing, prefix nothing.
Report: 6.46.21
